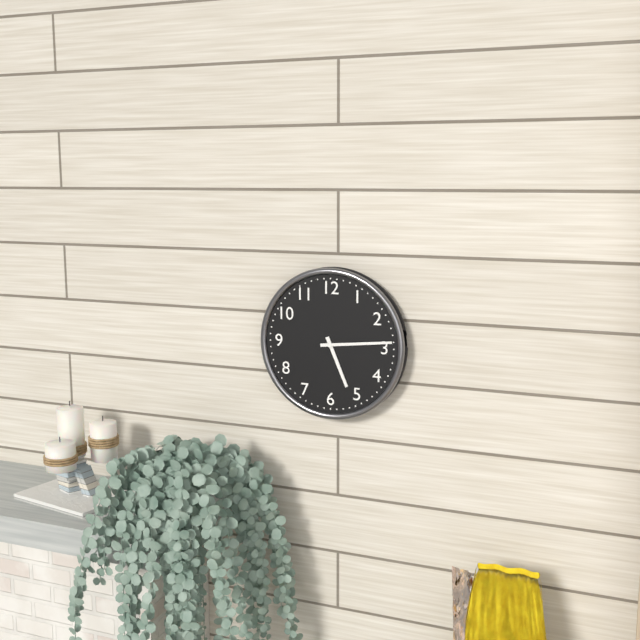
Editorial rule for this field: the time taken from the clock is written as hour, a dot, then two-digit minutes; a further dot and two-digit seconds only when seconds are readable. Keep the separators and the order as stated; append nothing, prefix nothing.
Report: 5.14
